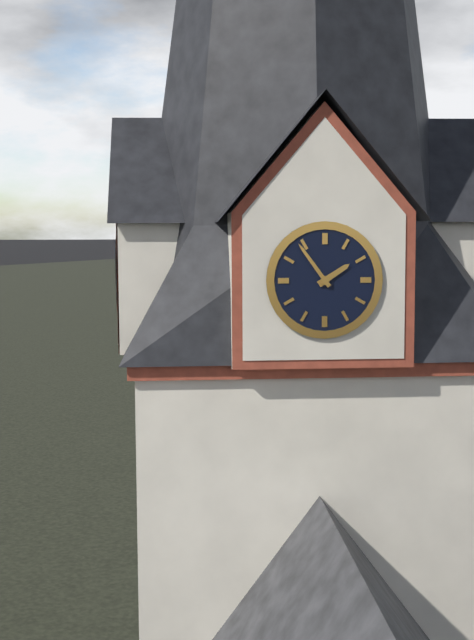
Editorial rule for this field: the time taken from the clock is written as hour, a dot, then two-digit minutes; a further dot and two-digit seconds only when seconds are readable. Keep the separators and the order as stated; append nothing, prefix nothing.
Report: 1.54
